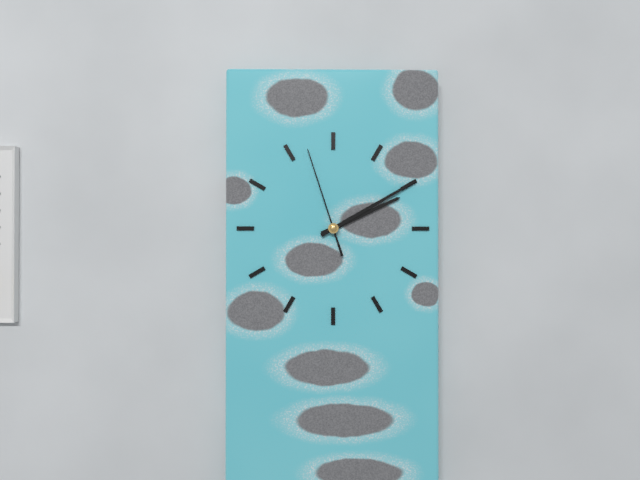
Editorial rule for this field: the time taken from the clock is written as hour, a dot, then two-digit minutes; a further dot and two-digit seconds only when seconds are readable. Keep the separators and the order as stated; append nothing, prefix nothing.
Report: 2.10.57
